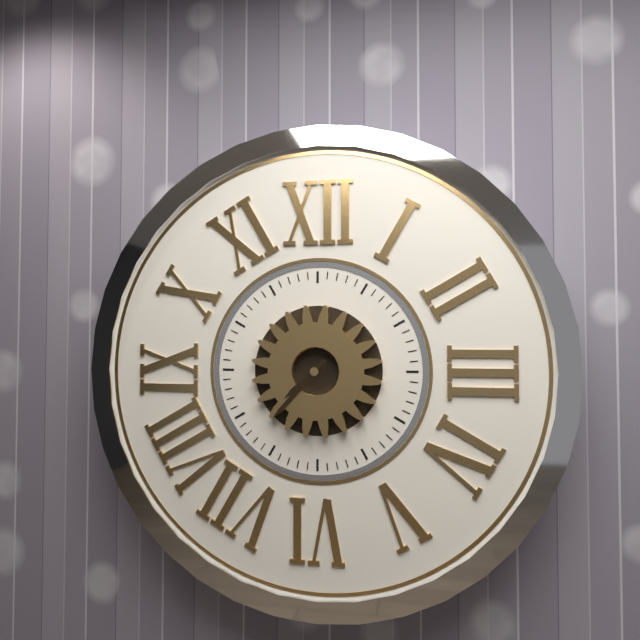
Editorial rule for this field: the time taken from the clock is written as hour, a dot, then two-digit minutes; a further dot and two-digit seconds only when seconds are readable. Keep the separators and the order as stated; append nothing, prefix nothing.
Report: 7.37
